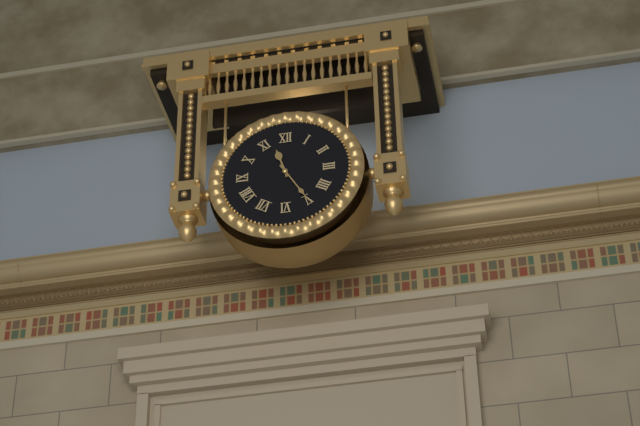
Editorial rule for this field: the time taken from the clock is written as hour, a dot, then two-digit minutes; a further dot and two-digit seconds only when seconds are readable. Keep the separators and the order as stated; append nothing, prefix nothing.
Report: 11.25
